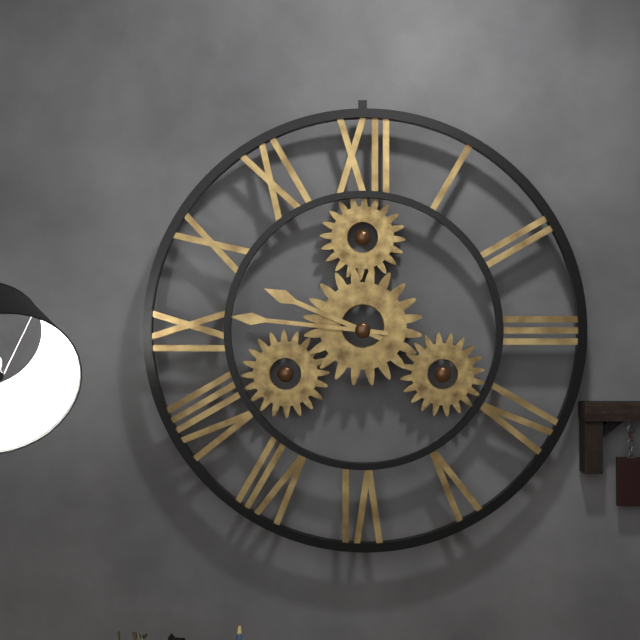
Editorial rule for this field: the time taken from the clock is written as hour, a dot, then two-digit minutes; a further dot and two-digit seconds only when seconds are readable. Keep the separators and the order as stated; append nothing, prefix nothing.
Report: 9.46
